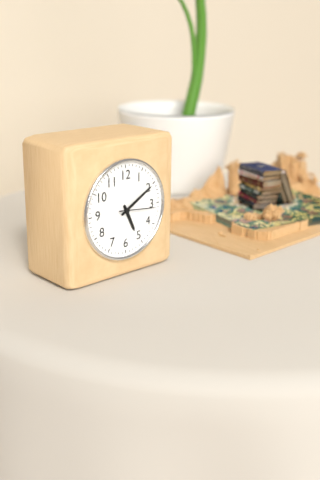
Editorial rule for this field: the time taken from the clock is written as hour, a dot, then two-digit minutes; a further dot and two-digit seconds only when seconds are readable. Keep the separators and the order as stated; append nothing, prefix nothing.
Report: 5.10
